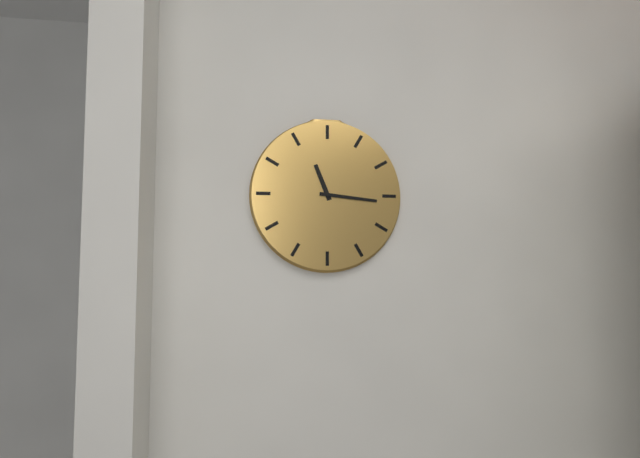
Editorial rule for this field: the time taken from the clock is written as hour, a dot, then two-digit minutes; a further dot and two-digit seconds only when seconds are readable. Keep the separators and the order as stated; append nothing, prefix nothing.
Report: 11.16
